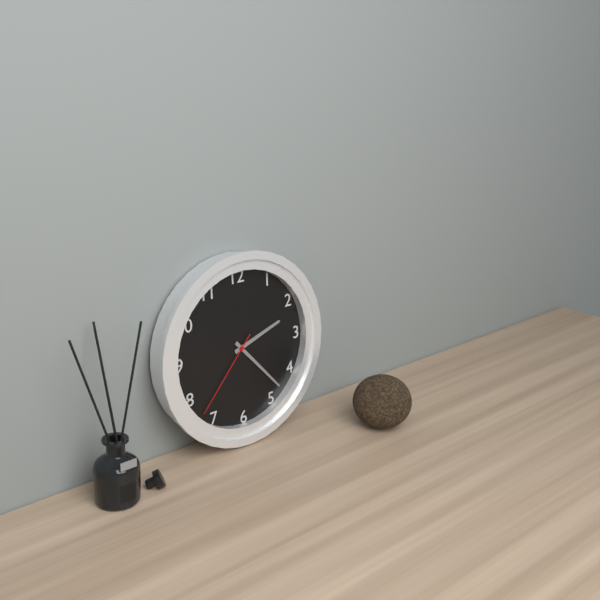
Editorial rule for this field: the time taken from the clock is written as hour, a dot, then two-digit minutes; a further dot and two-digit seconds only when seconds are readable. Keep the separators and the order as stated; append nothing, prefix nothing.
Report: 2.23.37
